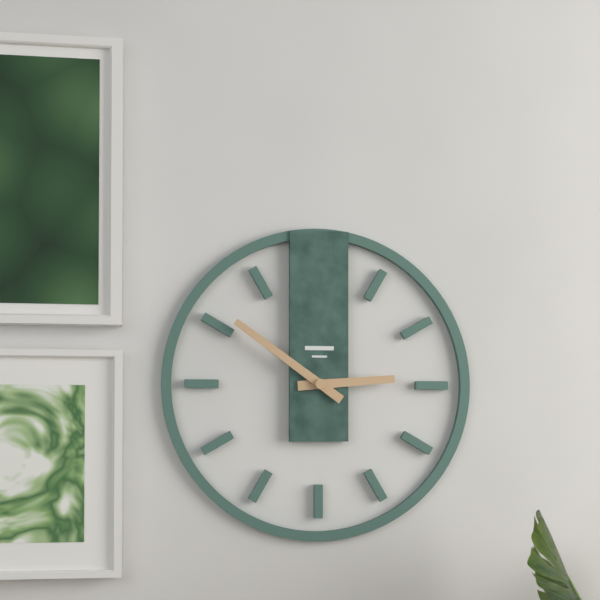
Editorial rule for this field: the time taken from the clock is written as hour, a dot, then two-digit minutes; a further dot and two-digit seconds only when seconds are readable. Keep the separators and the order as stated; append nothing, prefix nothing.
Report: 2.51
